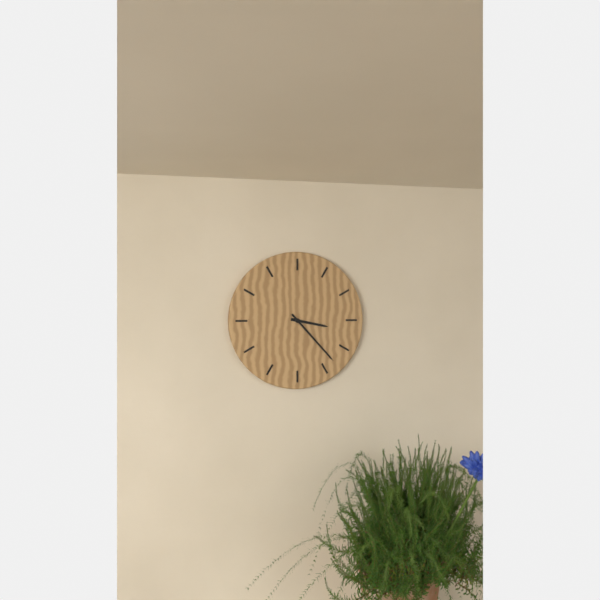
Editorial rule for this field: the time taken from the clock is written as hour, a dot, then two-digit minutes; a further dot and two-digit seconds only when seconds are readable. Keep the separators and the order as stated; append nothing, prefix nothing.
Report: 3.23
